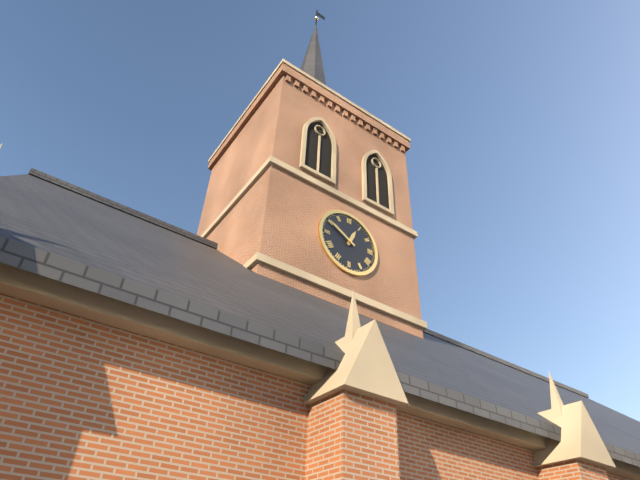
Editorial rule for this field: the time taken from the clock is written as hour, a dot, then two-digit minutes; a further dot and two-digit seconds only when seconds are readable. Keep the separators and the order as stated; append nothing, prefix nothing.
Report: 12.50
